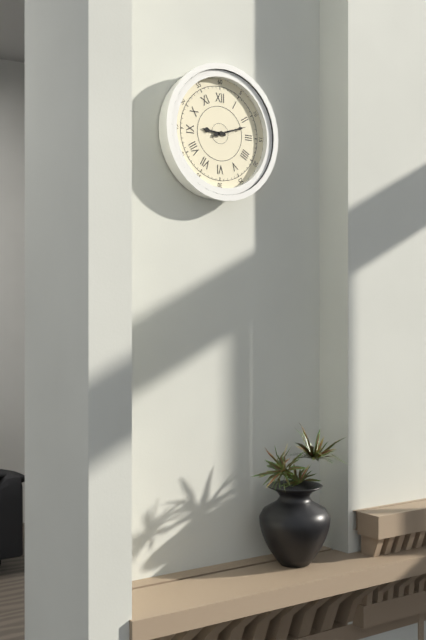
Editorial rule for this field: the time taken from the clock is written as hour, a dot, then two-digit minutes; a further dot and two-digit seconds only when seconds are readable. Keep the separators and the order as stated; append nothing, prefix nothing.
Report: 9.12
